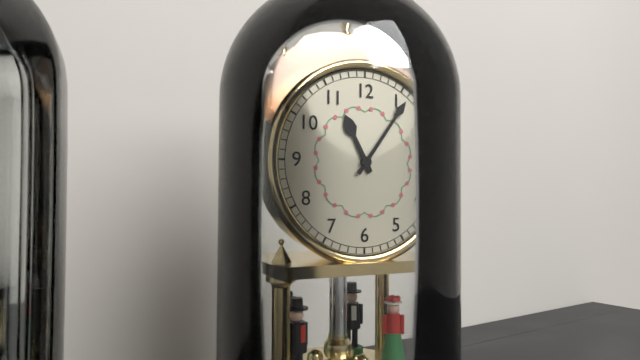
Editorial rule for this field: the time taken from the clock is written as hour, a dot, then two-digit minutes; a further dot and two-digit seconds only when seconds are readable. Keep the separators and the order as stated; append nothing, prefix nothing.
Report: 11.06
